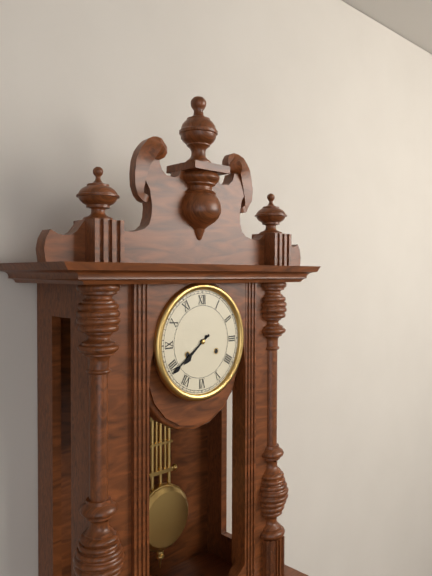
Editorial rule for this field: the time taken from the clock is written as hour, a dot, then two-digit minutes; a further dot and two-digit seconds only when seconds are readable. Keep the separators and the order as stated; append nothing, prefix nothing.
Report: 7.39
